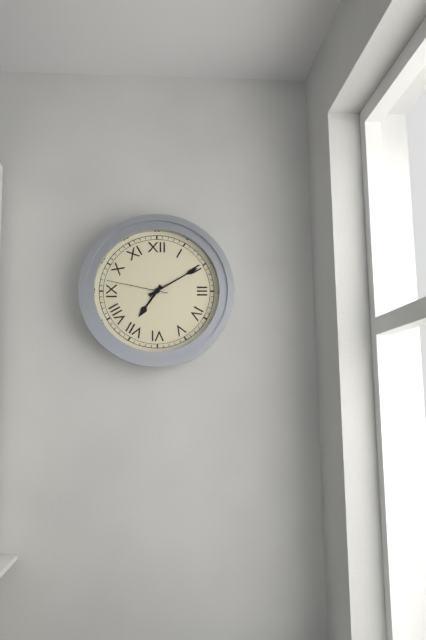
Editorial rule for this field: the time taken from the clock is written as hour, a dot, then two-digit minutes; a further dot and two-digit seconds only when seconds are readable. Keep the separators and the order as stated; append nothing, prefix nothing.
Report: 7.10.47
